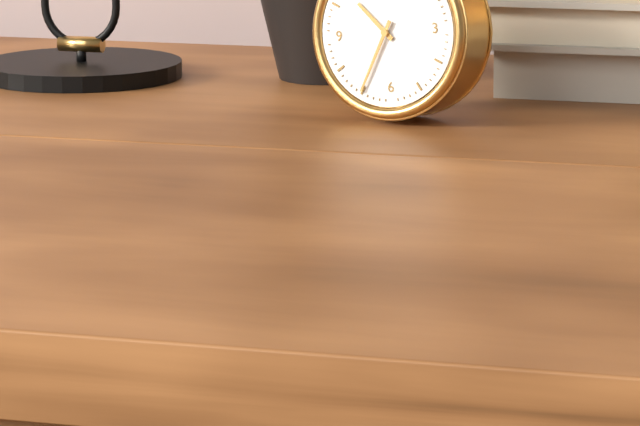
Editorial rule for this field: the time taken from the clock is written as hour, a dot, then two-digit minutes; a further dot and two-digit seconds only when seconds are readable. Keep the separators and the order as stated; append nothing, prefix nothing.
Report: 10.35
